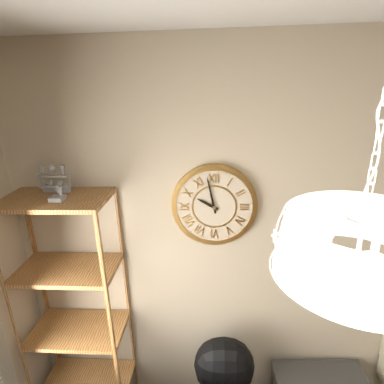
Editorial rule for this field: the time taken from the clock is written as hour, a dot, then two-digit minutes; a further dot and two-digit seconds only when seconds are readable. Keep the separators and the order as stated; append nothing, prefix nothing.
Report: 9.58
